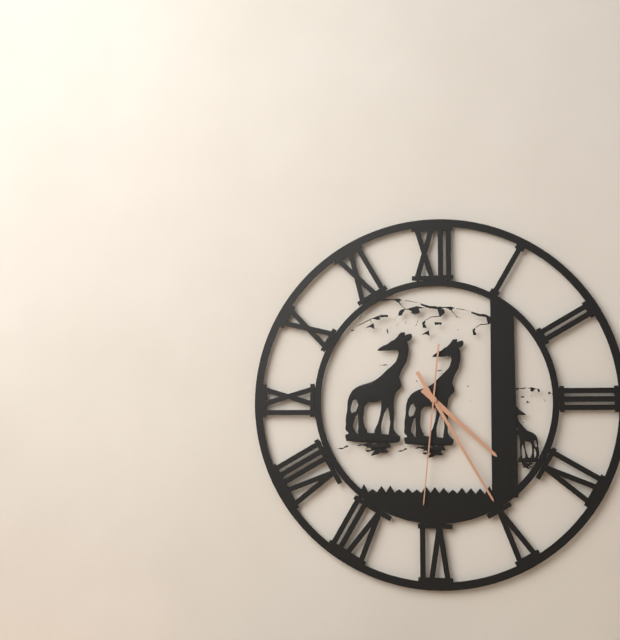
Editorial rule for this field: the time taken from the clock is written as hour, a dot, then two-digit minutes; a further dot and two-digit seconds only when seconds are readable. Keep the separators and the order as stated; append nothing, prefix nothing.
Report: 4.25.31
